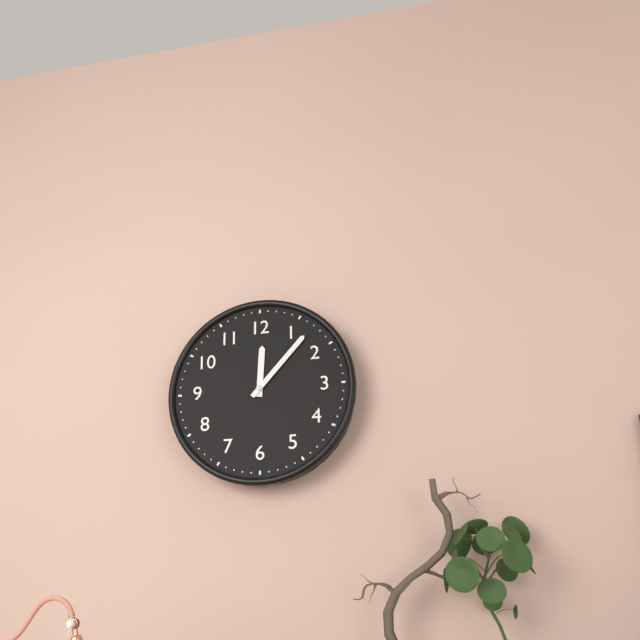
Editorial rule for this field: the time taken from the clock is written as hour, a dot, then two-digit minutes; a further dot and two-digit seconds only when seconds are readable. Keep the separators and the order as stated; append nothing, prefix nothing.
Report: 12.07
